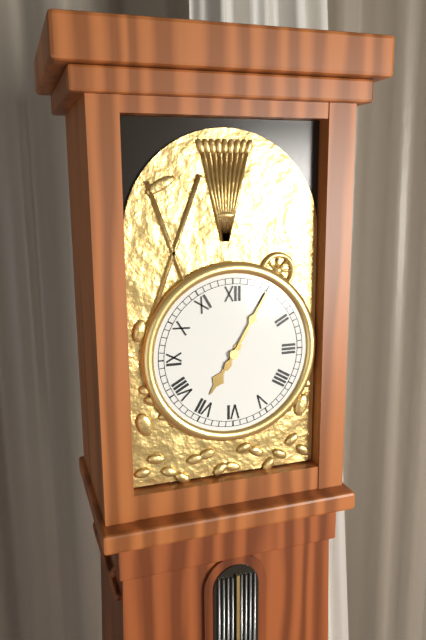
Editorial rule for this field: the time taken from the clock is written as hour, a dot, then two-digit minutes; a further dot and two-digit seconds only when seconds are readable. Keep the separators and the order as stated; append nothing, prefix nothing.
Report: 7.05
